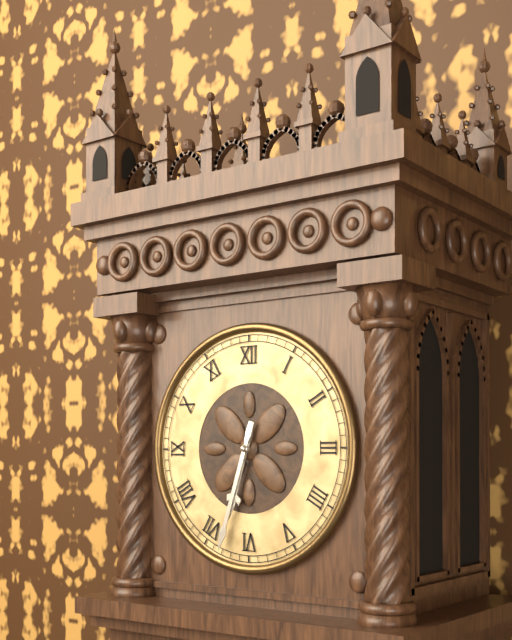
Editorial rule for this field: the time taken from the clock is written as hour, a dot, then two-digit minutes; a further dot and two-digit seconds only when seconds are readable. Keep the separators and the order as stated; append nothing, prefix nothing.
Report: 6.33
